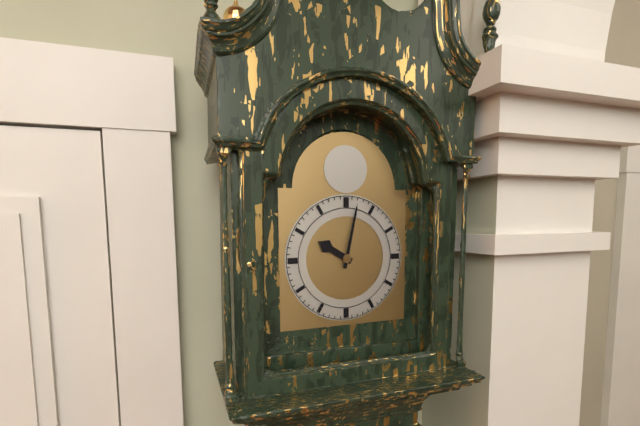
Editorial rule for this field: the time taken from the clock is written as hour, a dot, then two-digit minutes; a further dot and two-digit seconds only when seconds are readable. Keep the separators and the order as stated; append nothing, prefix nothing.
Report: 10.02
